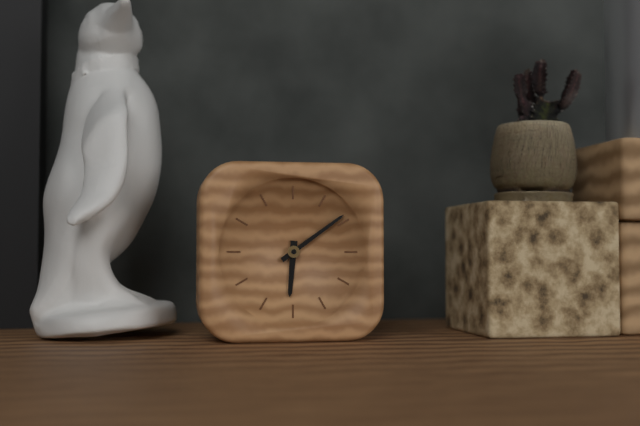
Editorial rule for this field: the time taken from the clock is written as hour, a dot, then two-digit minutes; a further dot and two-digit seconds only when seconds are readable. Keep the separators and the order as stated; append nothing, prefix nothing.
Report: 6.09
